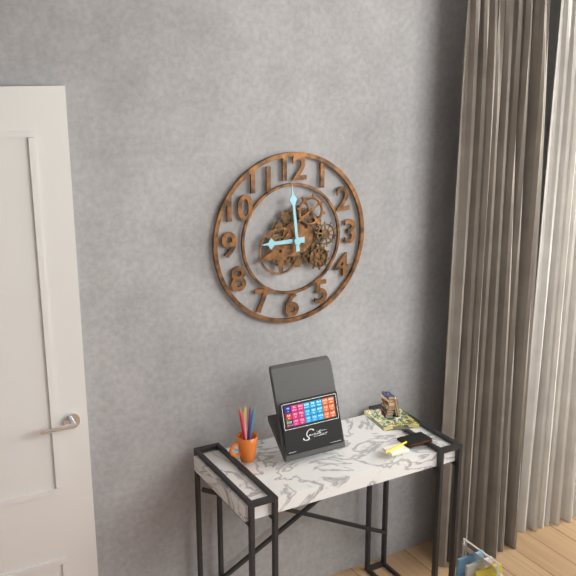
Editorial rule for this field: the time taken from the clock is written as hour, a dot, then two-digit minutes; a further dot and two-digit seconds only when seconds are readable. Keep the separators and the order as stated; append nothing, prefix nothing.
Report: 8.59
